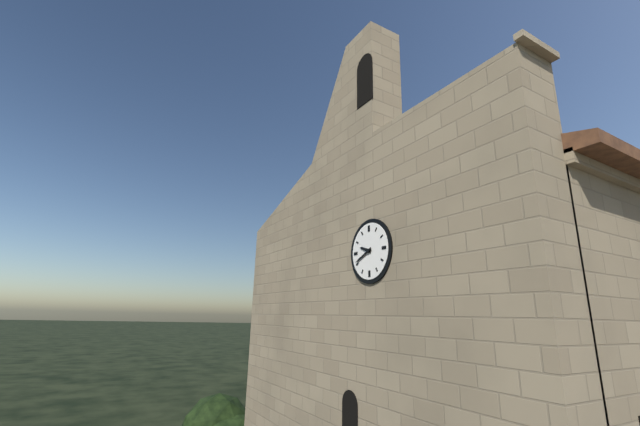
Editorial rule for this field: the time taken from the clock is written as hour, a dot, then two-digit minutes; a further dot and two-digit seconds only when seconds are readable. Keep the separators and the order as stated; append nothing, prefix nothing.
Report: 9.41
